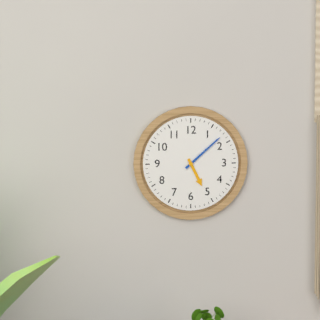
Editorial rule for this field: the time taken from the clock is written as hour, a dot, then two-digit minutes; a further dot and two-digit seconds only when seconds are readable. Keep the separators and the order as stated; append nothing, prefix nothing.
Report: 5.08
